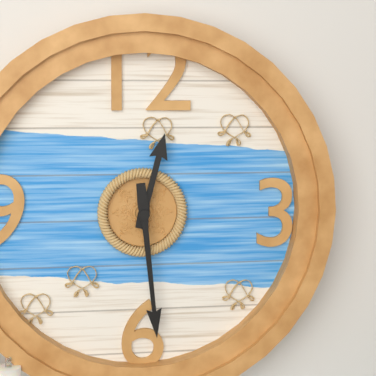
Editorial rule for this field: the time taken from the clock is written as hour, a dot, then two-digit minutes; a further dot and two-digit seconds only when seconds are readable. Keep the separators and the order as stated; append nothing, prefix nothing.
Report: 12.29
